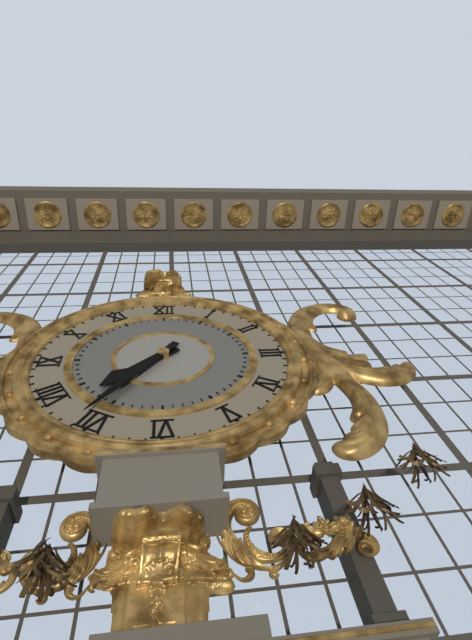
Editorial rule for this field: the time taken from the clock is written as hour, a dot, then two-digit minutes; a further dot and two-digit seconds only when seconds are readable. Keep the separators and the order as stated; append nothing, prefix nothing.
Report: 7.36
